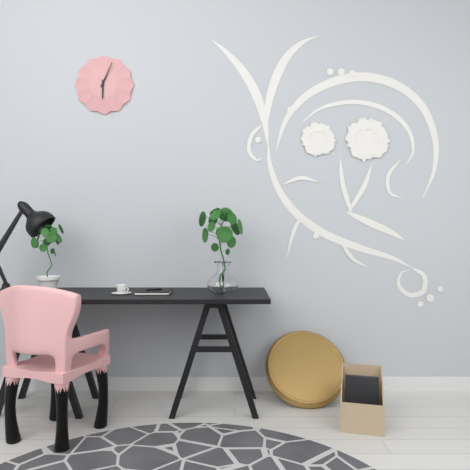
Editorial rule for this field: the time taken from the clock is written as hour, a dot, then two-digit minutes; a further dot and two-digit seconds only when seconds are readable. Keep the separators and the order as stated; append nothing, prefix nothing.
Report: 6.04
